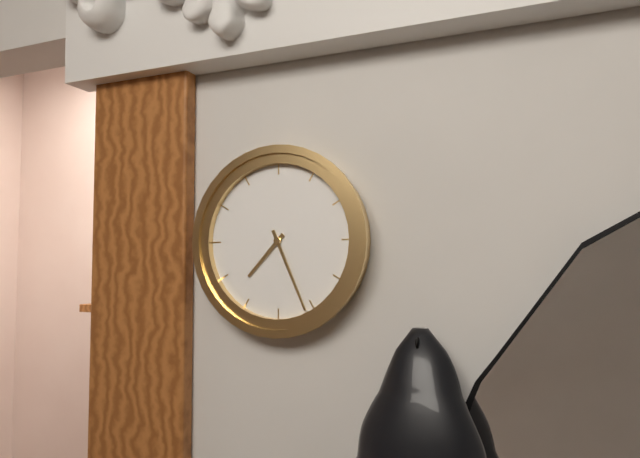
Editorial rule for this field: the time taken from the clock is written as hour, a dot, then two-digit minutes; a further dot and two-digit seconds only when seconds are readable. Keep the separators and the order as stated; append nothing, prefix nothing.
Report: 7.26
